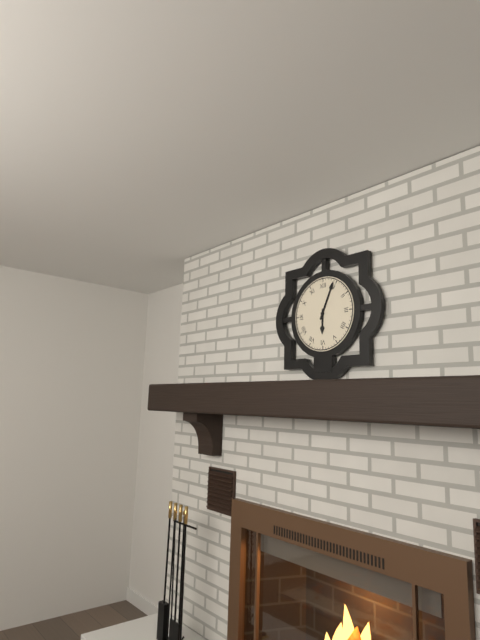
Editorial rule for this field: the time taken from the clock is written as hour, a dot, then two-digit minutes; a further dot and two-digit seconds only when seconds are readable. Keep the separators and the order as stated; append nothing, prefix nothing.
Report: 6.04
